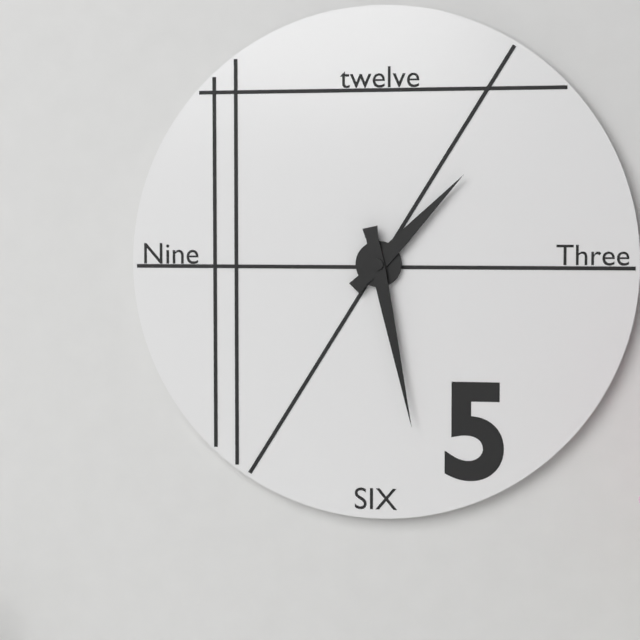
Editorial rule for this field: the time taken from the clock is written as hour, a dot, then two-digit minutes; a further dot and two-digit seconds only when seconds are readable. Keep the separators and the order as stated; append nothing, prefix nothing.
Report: 1.28
